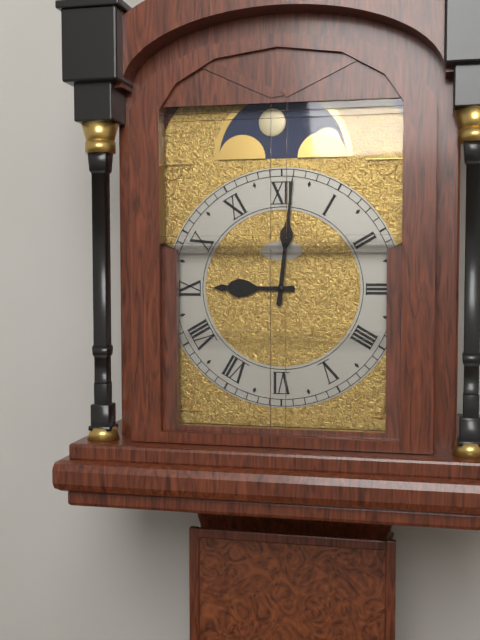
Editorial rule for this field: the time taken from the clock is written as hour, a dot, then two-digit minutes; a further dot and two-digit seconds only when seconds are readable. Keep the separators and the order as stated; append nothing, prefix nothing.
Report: 9.01
